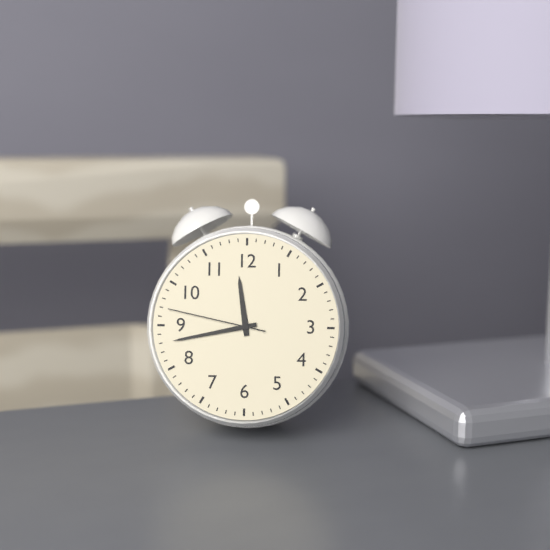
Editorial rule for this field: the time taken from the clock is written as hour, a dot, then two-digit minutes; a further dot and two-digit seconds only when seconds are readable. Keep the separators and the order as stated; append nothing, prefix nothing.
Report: 11.43.47
